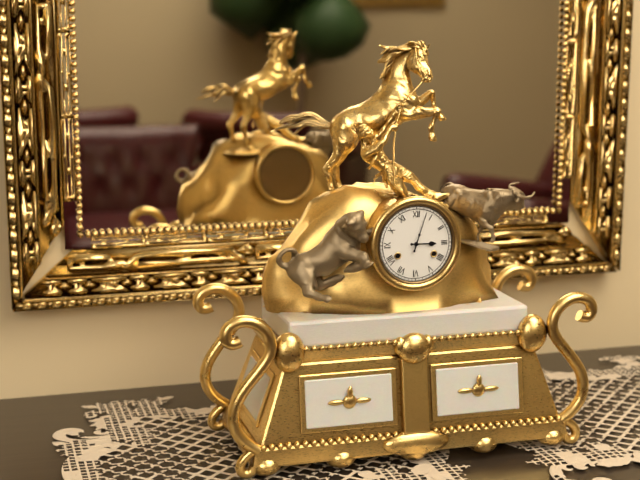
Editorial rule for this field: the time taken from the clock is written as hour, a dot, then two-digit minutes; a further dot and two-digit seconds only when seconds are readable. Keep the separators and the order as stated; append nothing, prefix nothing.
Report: 3.03
